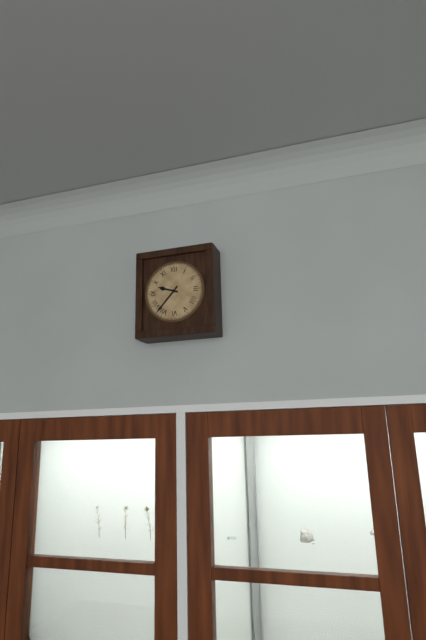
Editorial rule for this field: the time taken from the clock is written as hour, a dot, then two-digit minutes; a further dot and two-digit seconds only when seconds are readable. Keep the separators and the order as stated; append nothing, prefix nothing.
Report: 9.37
